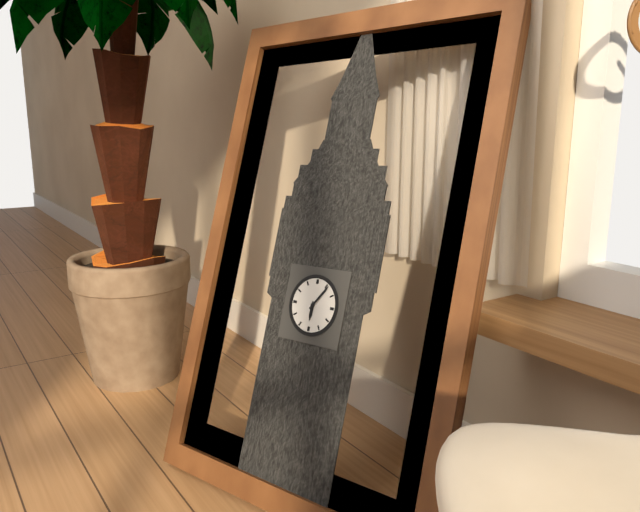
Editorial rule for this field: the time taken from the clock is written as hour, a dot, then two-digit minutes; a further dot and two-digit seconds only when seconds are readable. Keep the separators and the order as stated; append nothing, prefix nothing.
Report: 6.06
